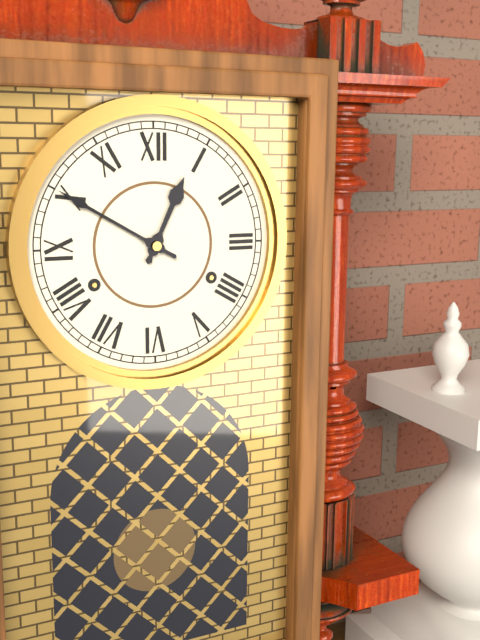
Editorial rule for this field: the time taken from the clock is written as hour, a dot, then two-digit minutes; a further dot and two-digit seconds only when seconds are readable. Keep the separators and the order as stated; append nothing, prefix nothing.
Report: 12.50
